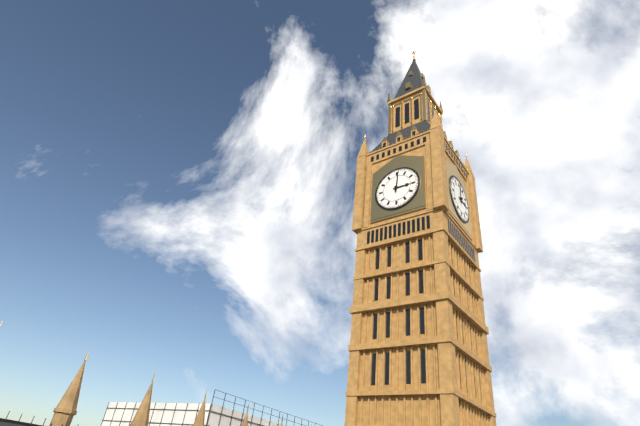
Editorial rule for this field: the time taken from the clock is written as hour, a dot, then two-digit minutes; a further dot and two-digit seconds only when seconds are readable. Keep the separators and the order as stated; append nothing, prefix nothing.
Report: 3.01
